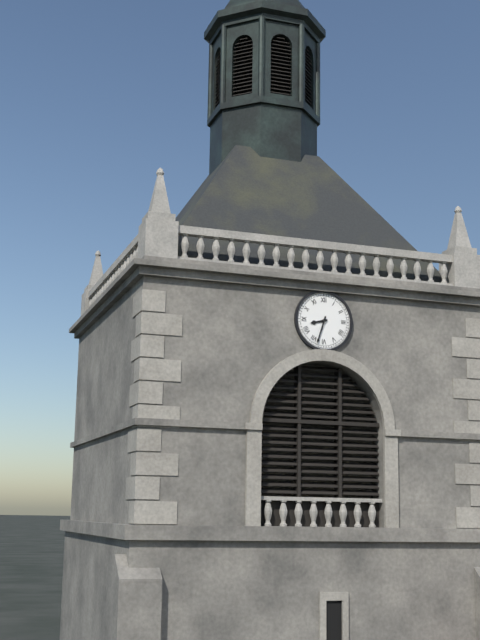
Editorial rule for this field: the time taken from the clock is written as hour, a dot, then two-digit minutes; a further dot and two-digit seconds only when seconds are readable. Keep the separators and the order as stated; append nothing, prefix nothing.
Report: 8.33
